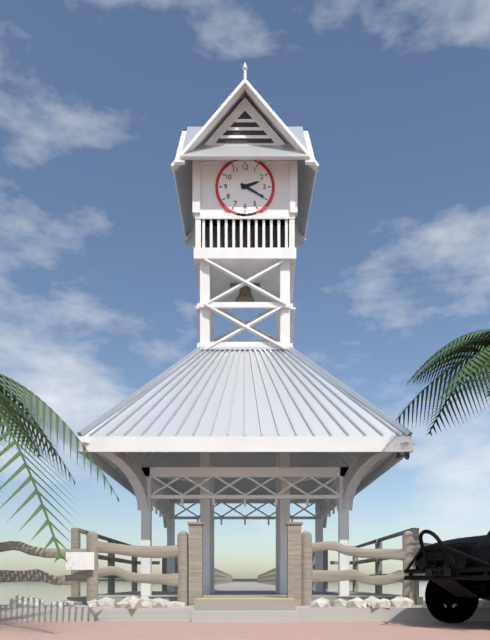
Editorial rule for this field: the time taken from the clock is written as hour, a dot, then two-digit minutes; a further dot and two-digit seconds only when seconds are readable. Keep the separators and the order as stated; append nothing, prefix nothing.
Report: 2.20
